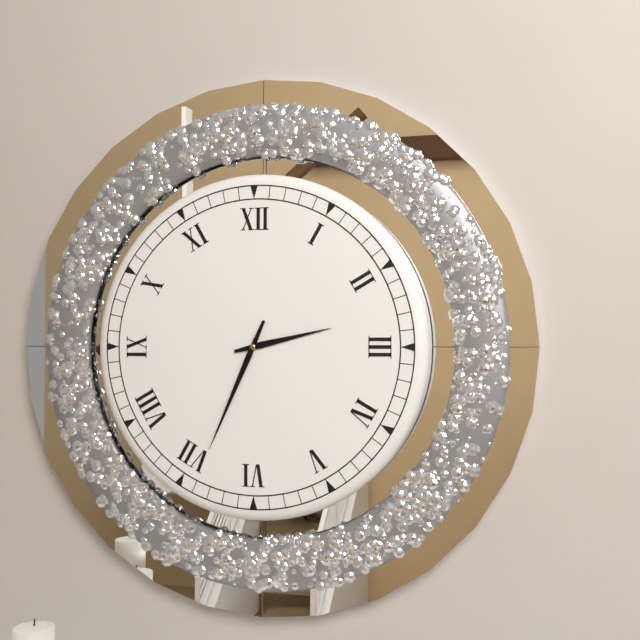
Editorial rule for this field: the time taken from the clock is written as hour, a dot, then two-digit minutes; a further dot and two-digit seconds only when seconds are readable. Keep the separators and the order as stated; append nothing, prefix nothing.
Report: 2.34
